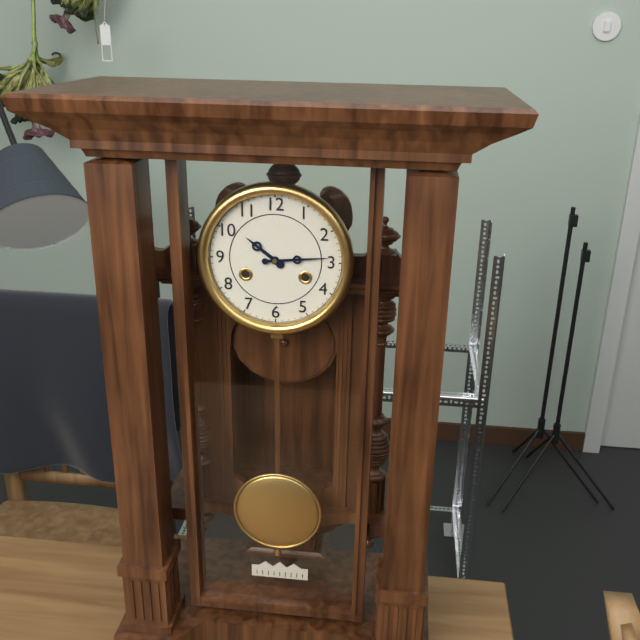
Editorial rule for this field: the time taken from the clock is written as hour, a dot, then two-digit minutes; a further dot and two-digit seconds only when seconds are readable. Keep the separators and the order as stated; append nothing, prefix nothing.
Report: 10.14
